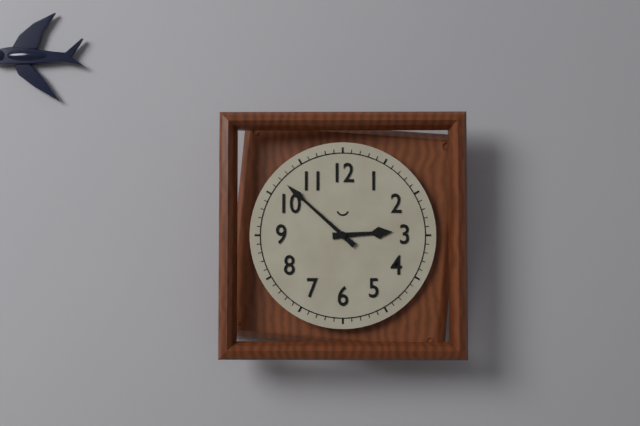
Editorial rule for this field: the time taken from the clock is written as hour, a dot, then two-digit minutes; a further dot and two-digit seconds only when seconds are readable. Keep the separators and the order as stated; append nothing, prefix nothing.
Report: 2.52
